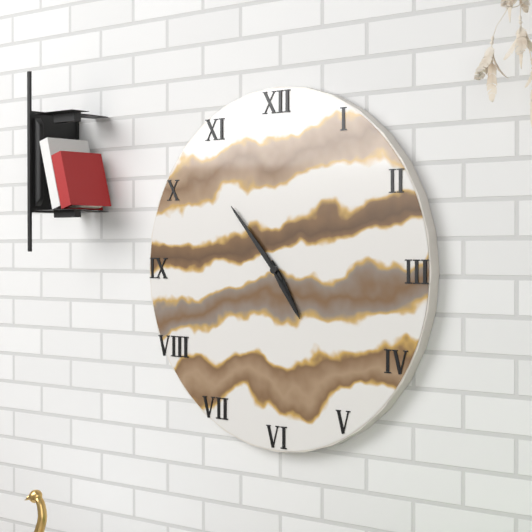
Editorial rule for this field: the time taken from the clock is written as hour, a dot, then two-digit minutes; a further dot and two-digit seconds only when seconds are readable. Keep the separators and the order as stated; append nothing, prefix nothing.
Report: 4.53.24
